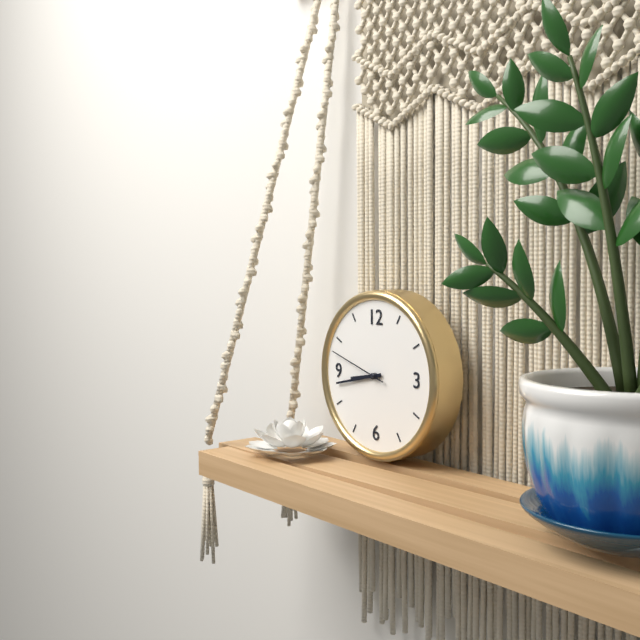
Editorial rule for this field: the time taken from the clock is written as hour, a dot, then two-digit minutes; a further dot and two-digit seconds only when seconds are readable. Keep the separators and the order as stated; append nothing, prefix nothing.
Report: 8.43.48
